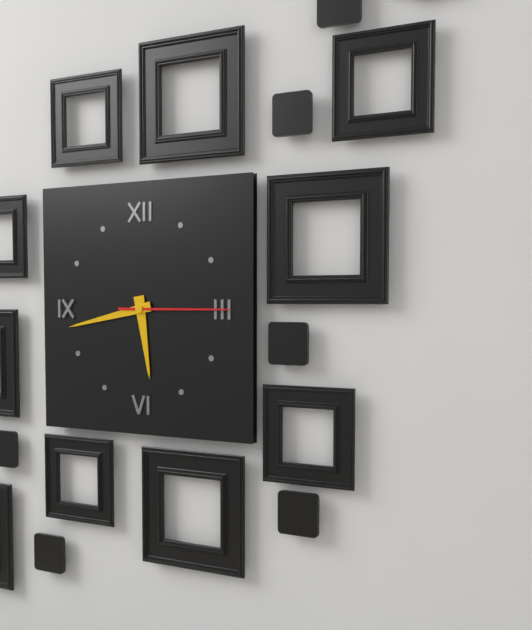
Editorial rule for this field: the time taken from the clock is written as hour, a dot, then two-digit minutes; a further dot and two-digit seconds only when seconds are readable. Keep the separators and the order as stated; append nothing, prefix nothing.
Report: 5.43.15
